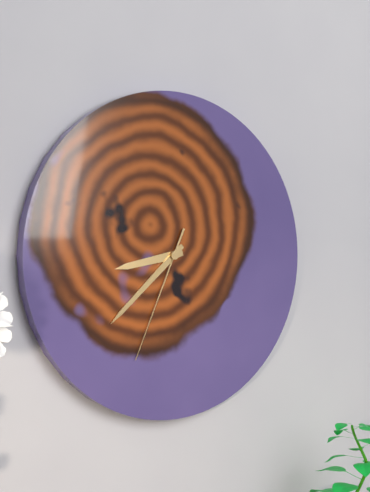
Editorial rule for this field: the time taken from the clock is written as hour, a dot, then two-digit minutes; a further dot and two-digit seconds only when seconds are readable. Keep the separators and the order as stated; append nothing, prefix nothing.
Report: 8.38.34
